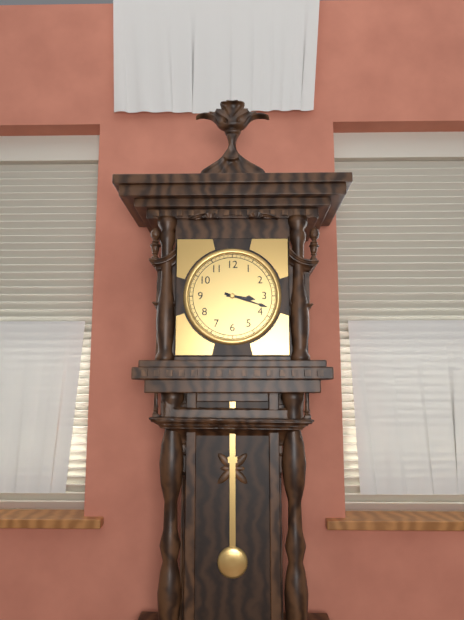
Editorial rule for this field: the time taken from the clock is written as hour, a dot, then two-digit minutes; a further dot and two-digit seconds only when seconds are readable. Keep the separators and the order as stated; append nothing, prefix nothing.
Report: 3.18
